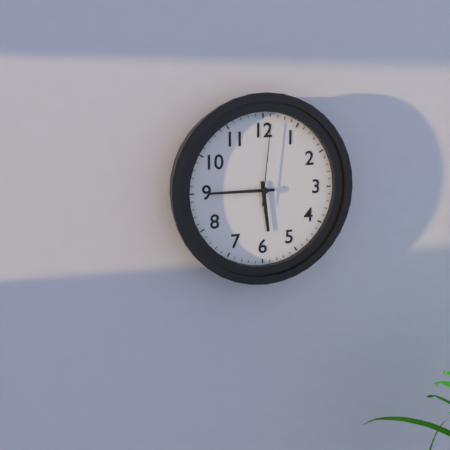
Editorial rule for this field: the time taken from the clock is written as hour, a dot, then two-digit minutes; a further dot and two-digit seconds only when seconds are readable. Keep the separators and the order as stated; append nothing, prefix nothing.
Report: 5.45.01
